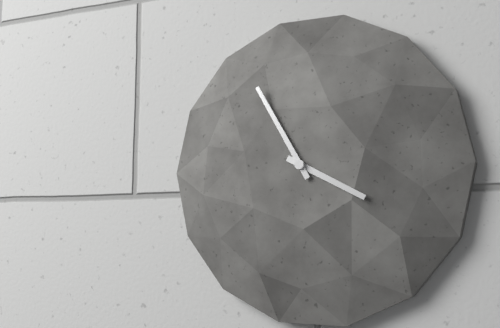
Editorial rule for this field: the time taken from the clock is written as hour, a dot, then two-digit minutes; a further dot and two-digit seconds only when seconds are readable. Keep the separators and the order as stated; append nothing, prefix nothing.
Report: 3.55
